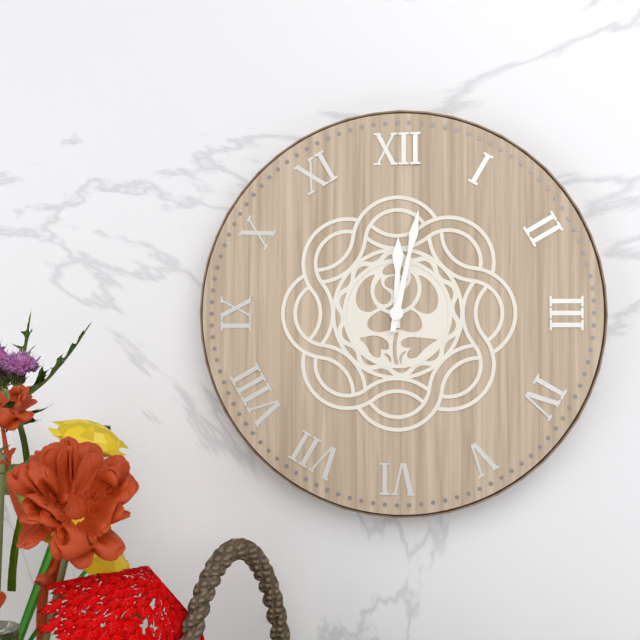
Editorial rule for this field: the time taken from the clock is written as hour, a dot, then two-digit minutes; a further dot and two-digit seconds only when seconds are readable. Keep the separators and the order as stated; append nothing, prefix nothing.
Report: 12.02
